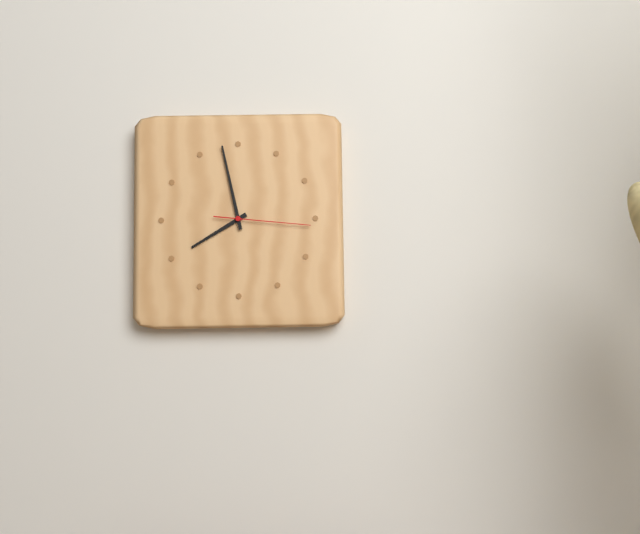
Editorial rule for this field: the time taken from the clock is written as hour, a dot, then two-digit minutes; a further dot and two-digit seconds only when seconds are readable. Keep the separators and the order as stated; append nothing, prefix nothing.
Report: 7.58.16
